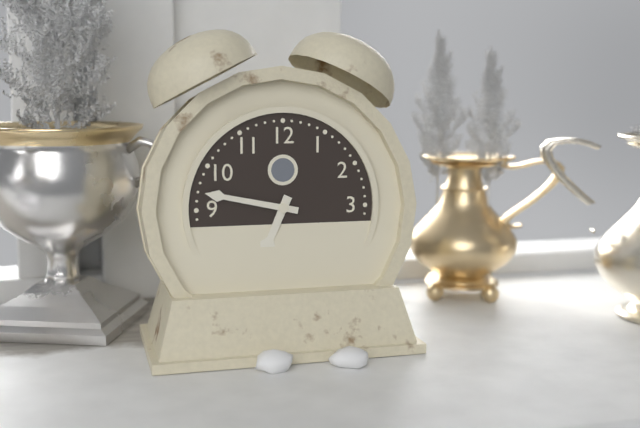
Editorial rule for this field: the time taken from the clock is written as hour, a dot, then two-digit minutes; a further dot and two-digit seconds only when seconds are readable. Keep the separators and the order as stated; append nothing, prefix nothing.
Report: 6.47
